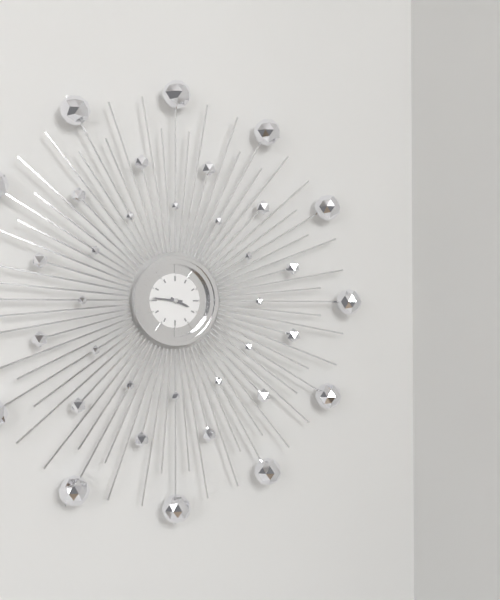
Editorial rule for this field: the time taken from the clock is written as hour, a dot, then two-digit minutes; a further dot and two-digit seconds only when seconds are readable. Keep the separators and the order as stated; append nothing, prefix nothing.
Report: 3.46
